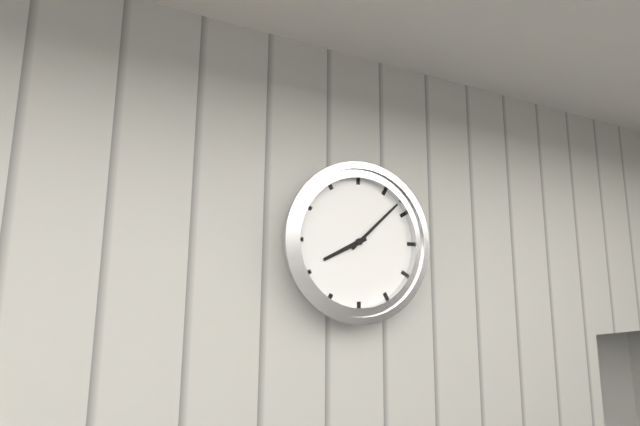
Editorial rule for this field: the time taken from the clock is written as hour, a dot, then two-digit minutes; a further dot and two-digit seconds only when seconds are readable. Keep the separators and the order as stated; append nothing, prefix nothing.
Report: 8.08
